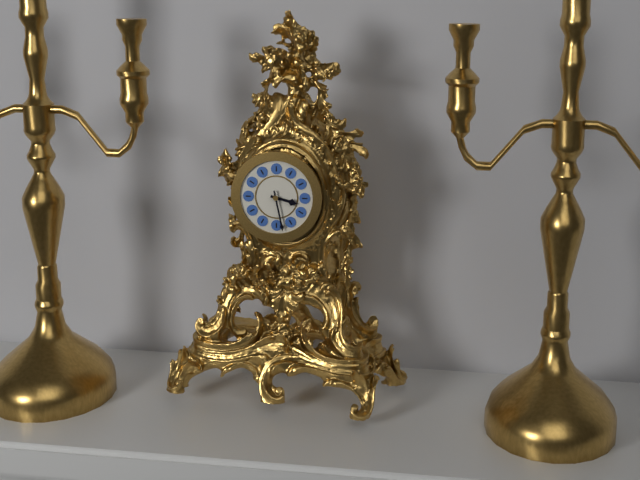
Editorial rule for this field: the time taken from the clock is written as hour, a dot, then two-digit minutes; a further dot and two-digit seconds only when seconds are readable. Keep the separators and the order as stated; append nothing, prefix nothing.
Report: 3.28
